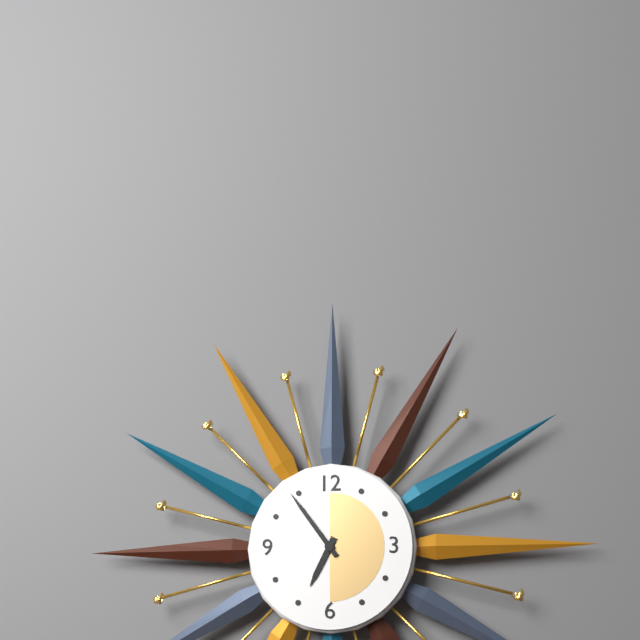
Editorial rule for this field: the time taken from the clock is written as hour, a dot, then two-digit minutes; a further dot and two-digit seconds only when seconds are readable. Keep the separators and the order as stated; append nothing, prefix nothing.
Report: 6.54
